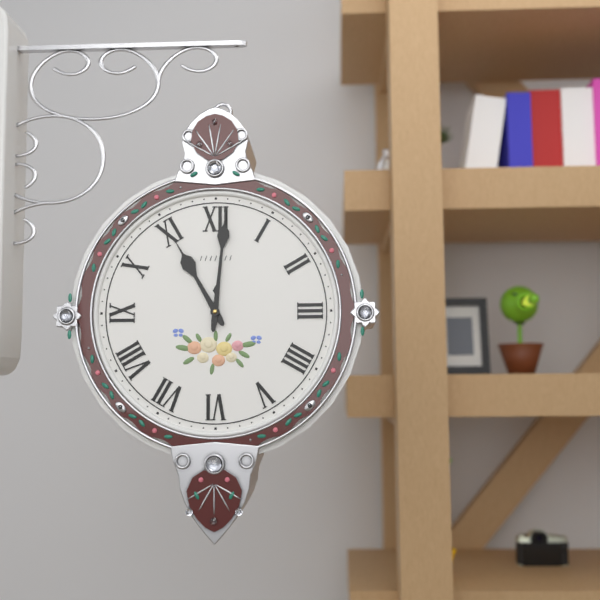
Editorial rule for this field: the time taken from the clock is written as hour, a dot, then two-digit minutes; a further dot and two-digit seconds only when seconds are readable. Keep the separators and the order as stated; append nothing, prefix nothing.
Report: 11.01
